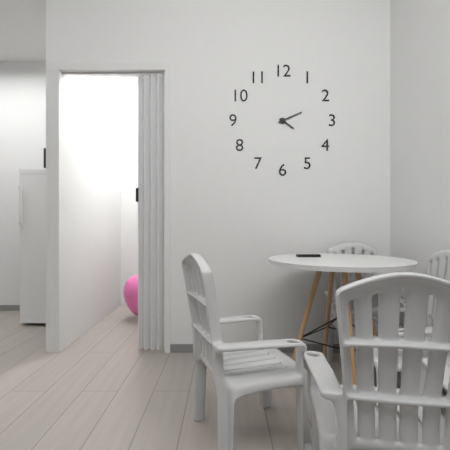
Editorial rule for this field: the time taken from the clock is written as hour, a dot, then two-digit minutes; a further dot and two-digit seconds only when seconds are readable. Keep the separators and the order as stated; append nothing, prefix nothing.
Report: 4.11
